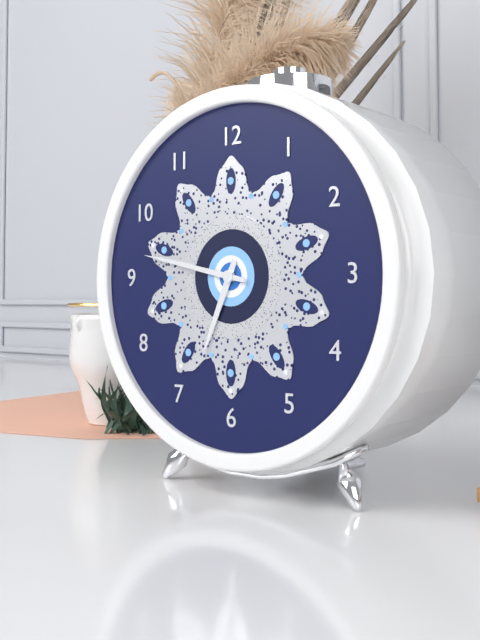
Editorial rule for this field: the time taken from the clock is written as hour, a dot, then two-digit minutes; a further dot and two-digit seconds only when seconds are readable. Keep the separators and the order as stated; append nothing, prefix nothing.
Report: 6.47
